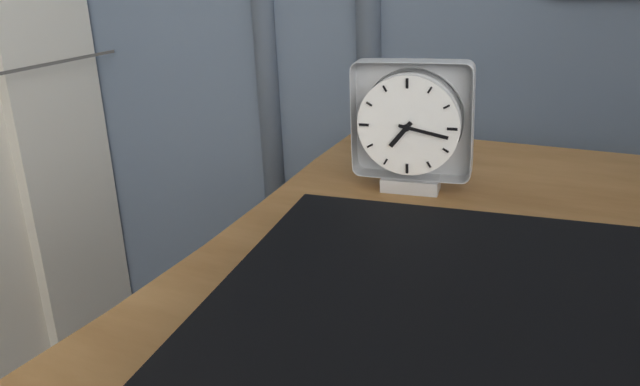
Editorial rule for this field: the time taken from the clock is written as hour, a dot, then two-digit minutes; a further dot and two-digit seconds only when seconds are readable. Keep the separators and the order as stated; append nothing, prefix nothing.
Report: 7.17
